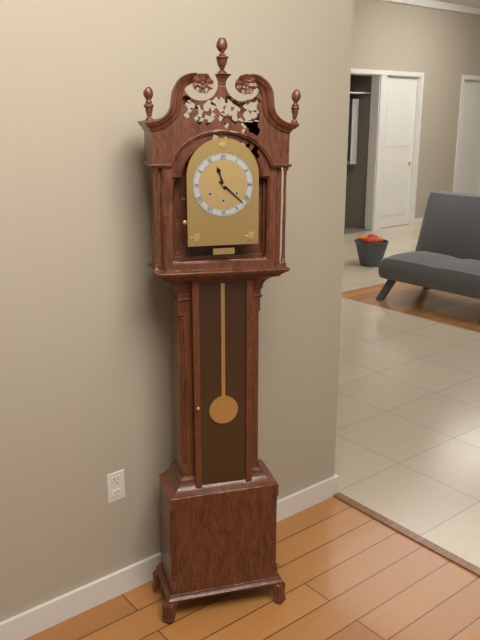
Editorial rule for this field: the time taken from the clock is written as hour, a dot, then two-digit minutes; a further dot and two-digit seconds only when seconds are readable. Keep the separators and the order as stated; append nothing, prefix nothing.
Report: 11.22
